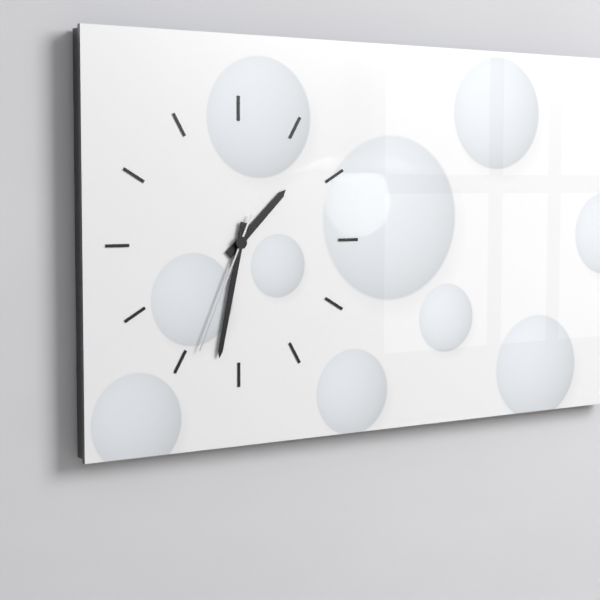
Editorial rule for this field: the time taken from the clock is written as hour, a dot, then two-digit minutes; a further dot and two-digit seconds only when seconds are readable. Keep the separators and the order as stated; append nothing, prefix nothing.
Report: 1.32.34
